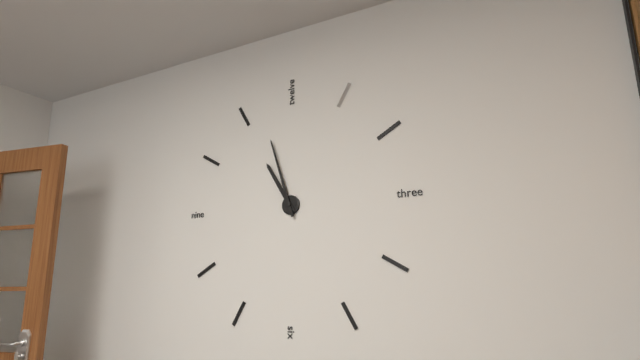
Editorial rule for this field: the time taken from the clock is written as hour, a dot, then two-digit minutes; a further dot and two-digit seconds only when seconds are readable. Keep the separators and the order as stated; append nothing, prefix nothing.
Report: 10.57
